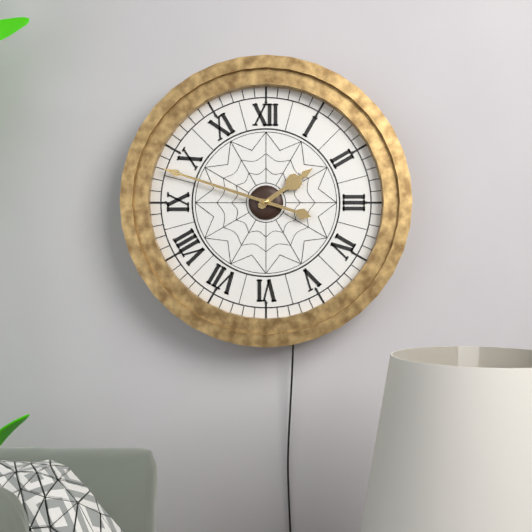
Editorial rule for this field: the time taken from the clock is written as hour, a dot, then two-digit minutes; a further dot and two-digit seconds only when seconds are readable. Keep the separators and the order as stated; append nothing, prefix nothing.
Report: 1.48
